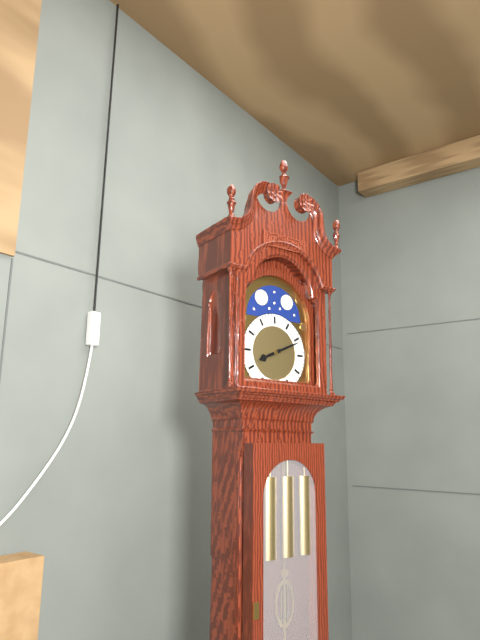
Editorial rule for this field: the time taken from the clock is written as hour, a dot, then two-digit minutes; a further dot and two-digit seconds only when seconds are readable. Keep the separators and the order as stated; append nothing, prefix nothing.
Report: 8.11
